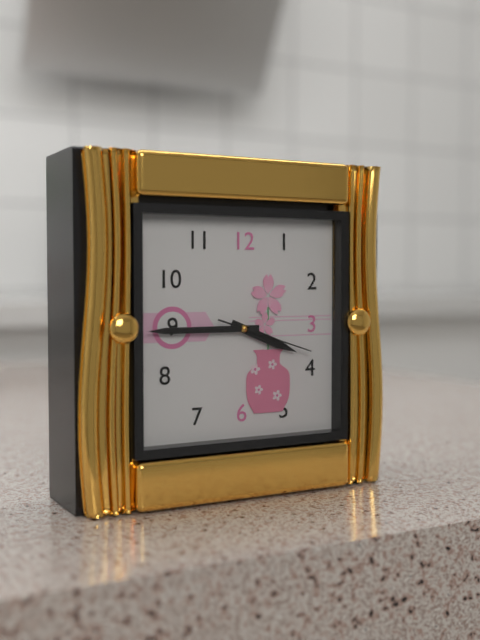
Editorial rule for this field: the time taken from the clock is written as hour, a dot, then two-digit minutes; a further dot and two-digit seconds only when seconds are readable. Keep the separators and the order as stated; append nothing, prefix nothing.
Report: 3.45.18
